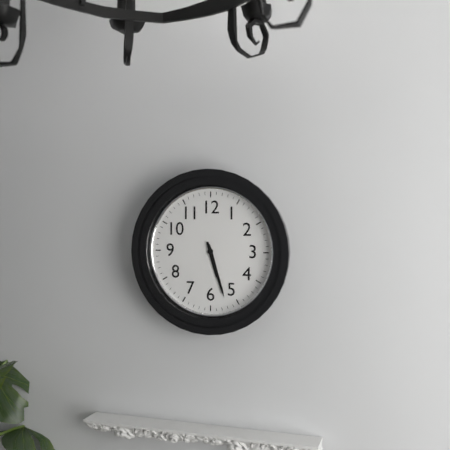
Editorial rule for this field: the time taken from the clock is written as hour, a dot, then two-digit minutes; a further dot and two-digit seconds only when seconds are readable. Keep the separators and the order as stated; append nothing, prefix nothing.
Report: 5.27
